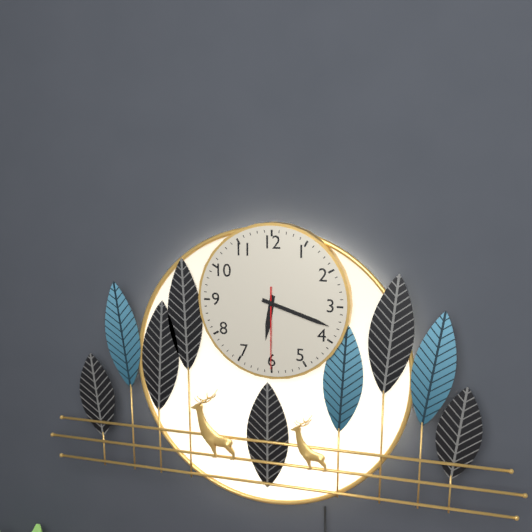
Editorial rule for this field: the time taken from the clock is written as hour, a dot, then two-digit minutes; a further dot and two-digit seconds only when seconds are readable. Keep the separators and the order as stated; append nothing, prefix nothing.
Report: 6.18.30
